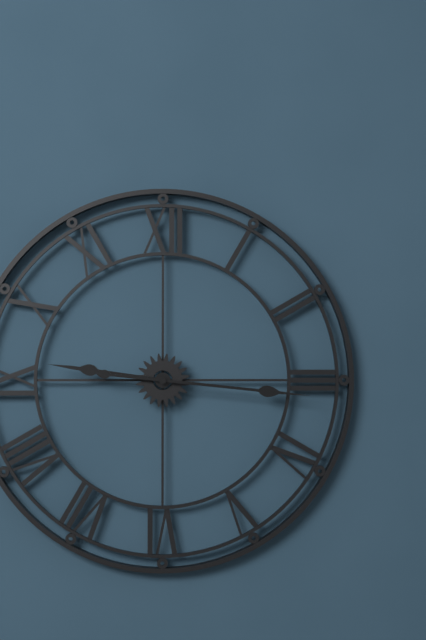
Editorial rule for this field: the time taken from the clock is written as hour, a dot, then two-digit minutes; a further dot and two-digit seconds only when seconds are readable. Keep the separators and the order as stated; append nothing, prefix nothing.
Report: 9.16
